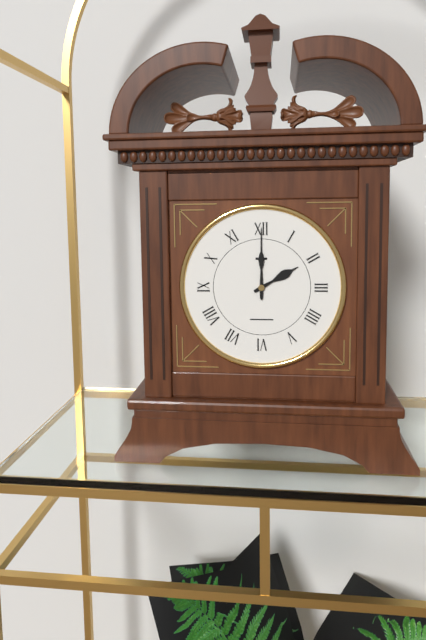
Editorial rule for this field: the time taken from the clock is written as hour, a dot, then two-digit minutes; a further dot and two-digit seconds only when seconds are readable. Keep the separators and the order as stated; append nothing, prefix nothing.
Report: 2.00
